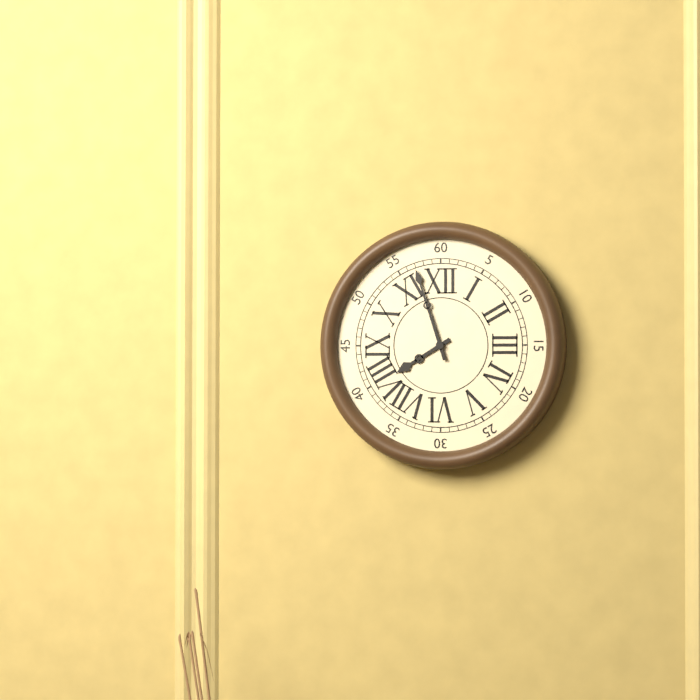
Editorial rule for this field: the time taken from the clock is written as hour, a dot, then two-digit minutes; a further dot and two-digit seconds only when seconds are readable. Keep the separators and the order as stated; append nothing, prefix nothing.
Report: 7.57
